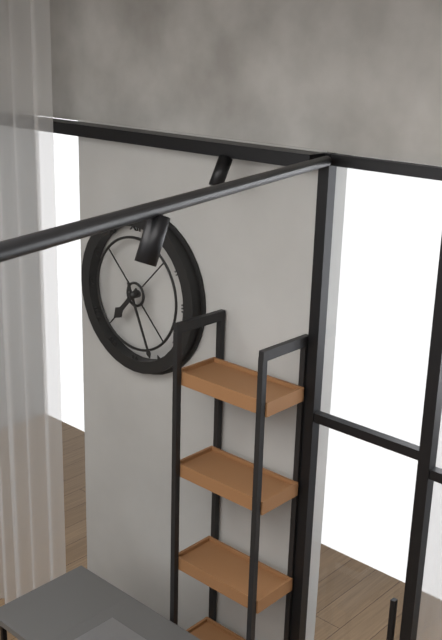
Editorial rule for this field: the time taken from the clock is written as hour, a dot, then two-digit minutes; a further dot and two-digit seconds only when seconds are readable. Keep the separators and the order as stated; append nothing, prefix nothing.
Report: 7.26
